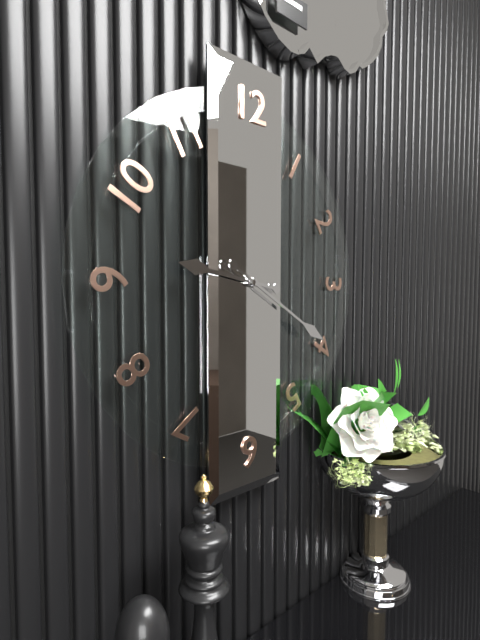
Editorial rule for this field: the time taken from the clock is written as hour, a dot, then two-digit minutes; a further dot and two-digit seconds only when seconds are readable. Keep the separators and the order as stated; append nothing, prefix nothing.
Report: 9.20
